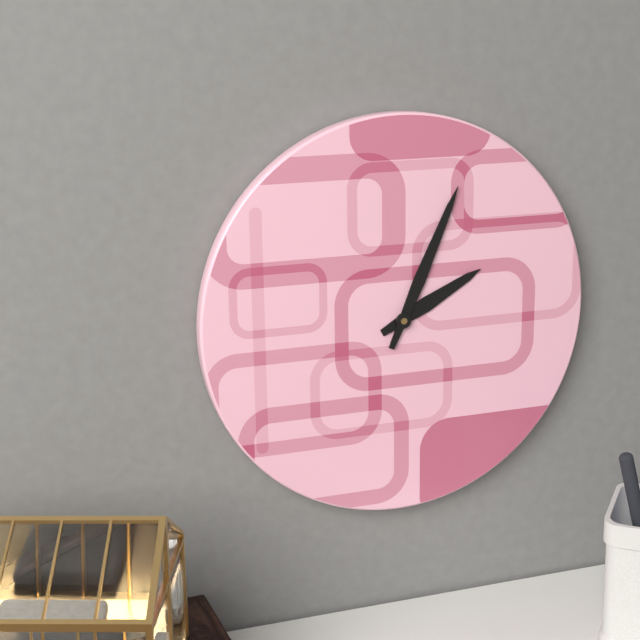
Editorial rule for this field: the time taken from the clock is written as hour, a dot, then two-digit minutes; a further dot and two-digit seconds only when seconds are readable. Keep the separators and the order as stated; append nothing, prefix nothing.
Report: 2.04
